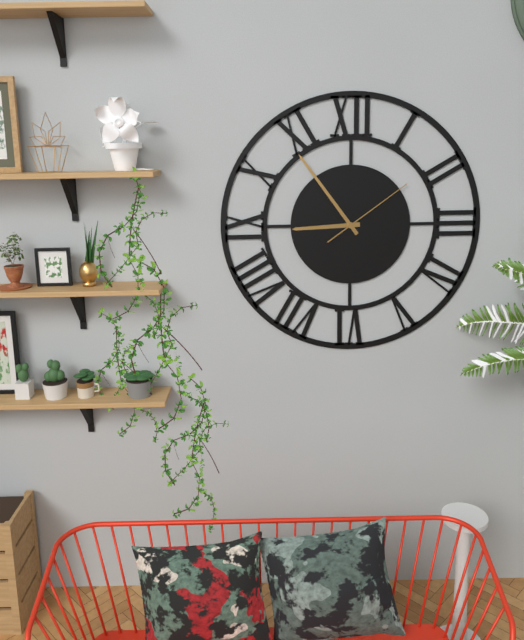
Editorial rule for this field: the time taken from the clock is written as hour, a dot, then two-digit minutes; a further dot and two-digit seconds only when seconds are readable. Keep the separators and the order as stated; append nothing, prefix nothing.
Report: 8.54.09
